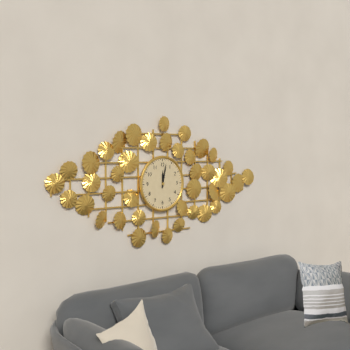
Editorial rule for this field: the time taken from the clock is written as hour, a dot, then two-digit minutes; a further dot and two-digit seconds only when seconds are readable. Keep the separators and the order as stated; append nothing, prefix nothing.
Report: 12.02
